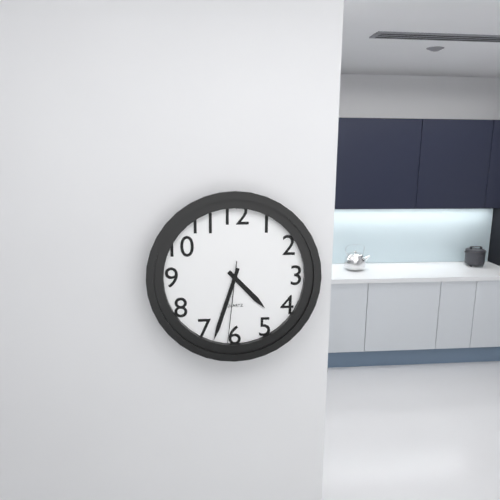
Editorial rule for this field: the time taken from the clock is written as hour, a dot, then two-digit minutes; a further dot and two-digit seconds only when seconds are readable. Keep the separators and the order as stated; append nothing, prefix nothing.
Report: 4.33.31
